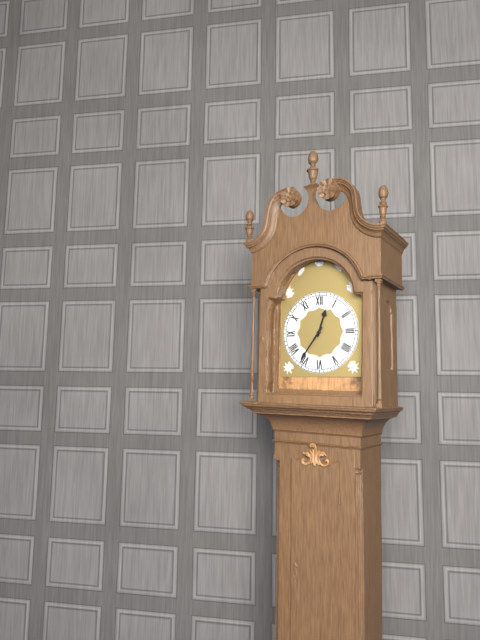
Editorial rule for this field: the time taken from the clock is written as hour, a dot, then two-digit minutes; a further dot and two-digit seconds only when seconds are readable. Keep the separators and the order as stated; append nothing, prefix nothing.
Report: 12.36
